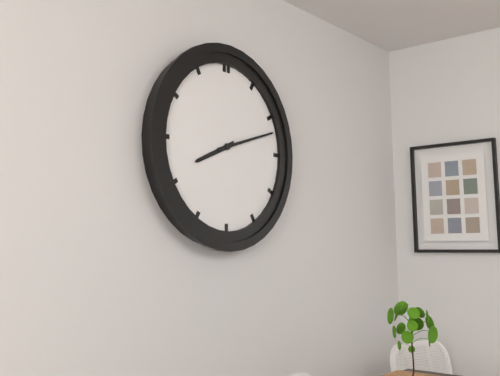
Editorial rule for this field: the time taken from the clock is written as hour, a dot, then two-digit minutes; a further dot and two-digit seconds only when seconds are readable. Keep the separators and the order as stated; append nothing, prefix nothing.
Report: 8.12
